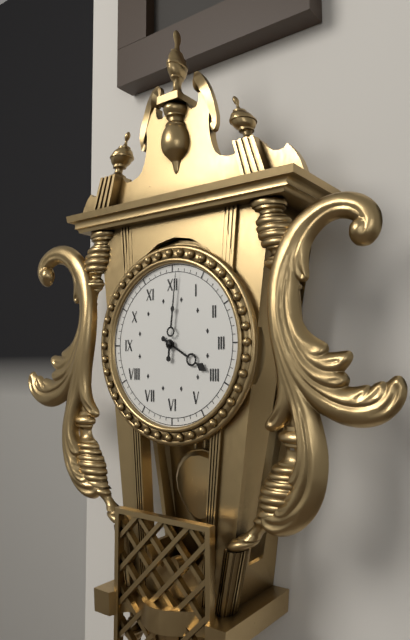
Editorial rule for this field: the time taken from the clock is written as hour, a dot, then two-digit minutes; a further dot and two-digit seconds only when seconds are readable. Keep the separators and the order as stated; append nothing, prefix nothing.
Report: 4.01
